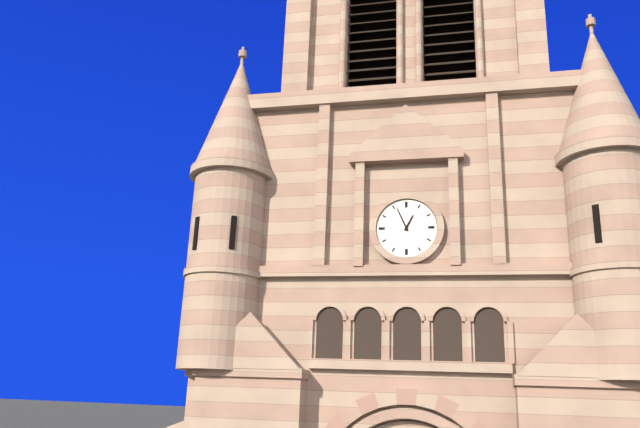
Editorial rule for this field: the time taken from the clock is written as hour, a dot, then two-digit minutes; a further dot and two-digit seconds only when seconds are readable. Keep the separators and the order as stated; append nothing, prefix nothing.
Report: 12.56
